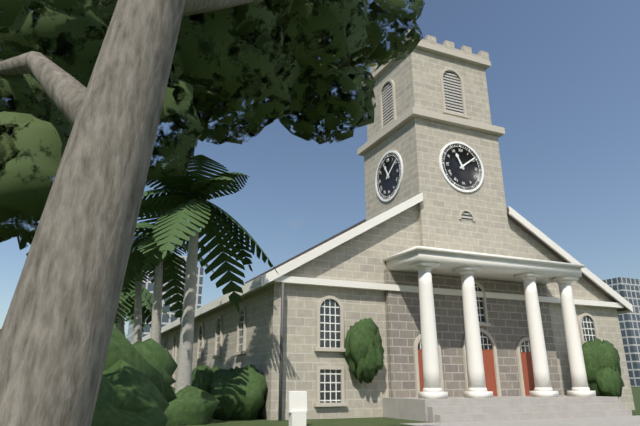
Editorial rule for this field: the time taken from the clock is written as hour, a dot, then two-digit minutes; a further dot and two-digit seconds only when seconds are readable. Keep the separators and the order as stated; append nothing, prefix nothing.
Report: 11.09
